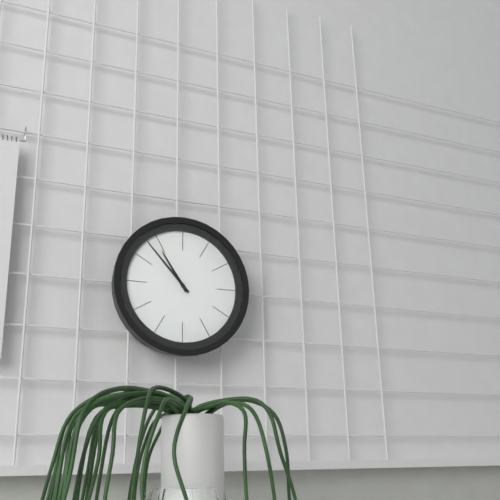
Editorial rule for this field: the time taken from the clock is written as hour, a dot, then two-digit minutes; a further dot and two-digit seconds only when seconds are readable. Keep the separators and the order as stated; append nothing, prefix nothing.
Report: 10.53
